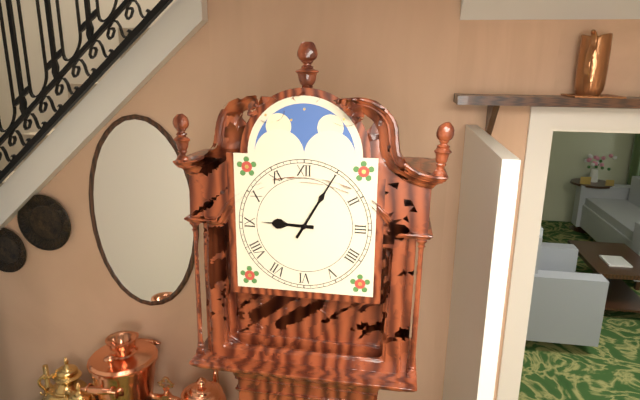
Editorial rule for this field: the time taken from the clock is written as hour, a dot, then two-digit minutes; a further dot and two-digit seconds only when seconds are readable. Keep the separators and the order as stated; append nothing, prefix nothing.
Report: 9.05
